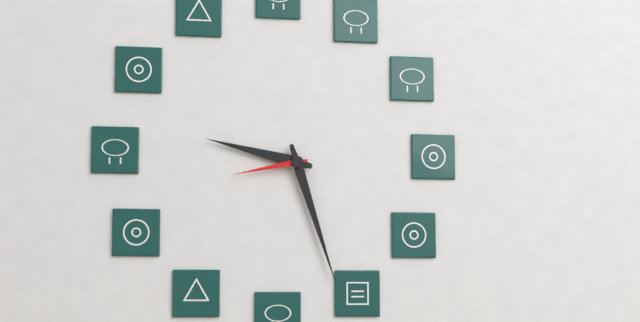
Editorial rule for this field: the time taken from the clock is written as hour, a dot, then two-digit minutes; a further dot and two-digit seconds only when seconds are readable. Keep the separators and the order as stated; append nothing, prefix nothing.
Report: 9.27.43
